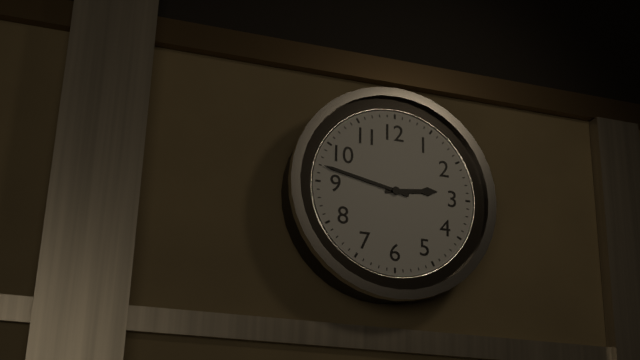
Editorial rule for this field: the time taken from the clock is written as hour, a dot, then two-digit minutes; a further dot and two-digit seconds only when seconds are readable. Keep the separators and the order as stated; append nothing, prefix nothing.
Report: 2.47
